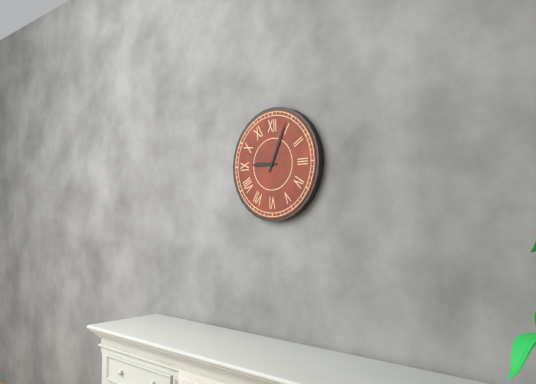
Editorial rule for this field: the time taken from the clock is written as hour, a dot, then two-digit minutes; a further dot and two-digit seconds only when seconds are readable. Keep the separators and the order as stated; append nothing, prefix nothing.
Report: 9.04
